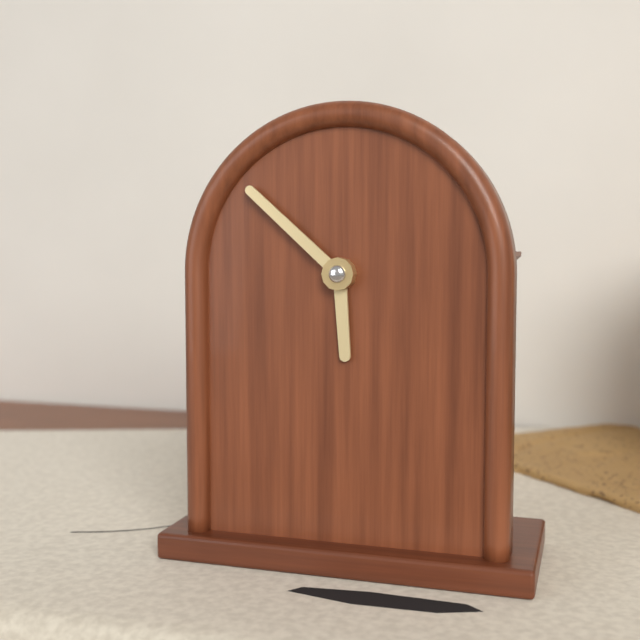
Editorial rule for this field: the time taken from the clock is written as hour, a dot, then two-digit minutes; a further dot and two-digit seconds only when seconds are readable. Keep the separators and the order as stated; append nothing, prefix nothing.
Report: 5.52
